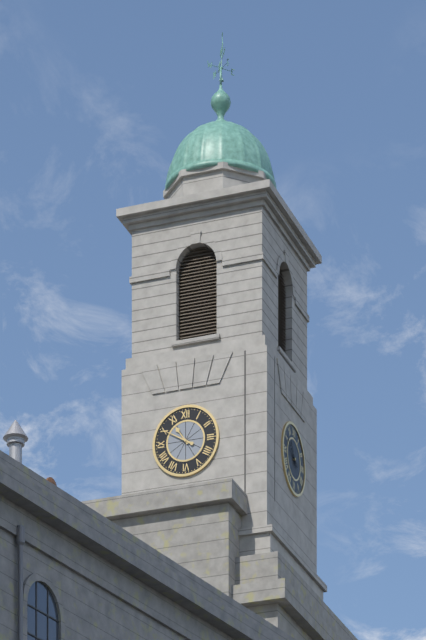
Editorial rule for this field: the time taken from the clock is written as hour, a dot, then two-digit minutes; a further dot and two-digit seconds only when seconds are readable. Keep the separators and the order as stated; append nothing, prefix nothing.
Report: 10.50
